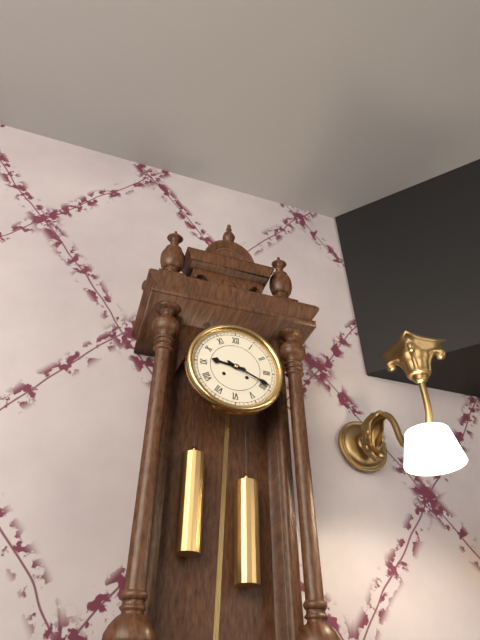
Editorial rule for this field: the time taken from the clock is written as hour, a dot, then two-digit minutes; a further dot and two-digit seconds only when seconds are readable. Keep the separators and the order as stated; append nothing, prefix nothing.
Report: 9.19
